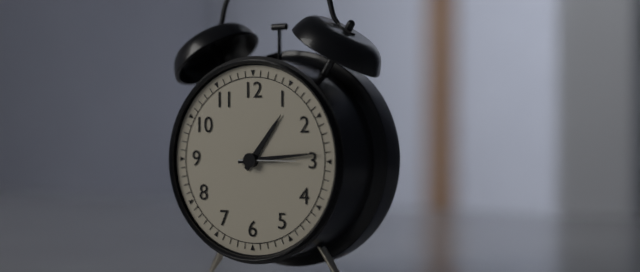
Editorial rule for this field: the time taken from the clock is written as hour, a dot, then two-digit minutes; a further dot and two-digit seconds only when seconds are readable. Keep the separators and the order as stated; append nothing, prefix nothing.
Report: 1.14.15
